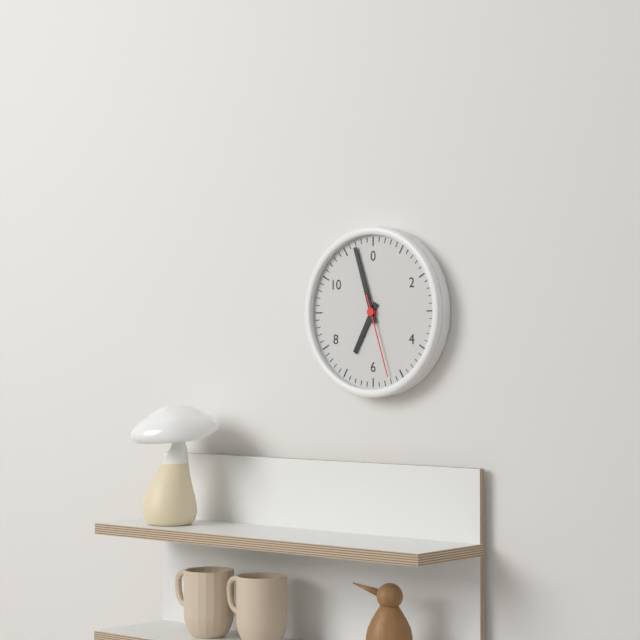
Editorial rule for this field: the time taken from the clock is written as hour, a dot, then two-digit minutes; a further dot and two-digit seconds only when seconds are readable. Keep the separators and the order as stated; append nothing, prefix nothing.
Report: 6.57.27
